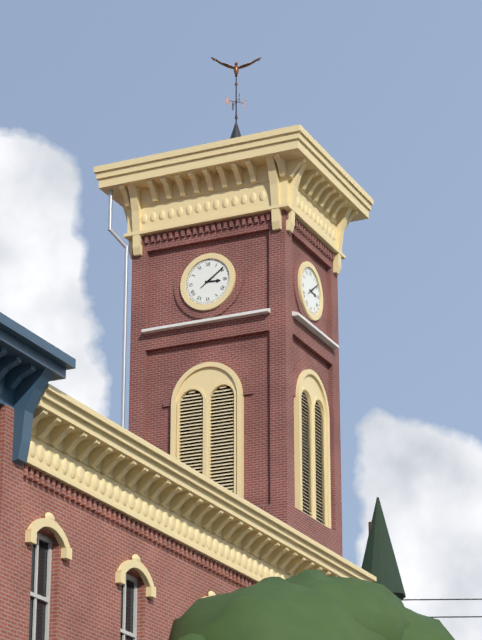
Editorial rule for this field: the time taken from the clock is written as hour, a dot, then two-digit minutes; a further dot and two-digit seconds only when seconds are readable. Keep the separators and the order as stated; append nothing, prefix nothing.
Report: 3.09
